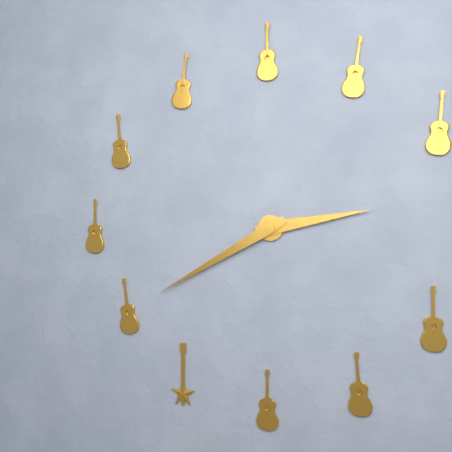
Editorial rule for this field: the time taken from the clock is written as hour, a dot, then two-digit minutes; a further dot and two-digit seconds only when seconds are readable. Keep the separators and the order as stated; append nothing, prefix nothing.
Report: 2.40
